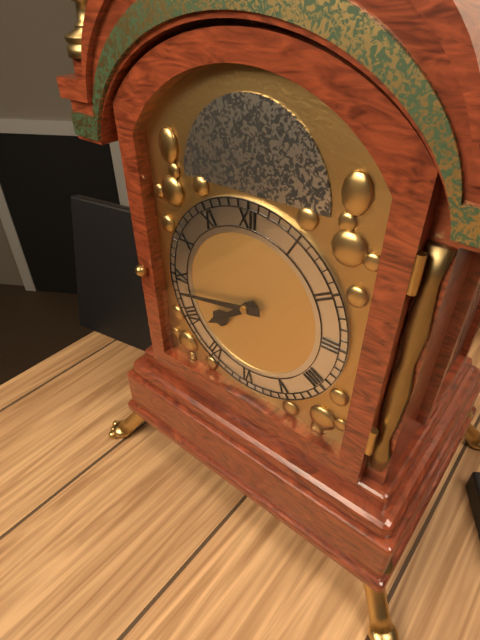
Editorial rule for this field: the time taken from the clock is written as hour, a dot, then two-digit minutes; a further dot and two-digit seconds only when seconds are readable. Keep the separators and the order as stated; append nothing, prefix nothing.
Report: 7.43
